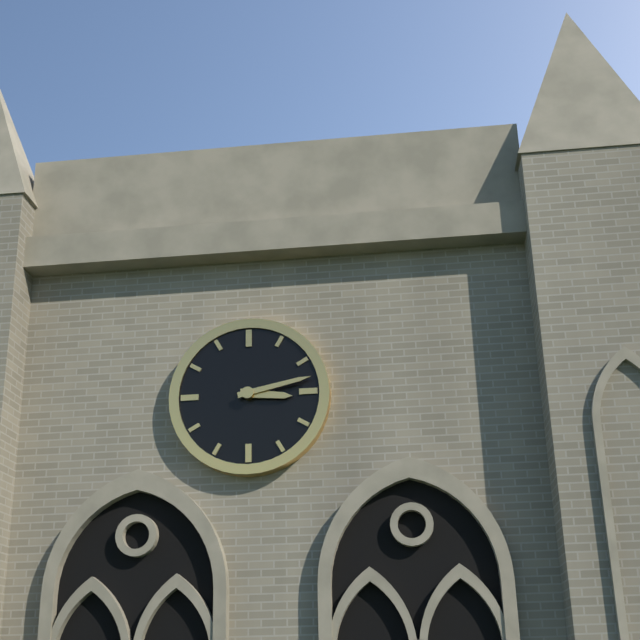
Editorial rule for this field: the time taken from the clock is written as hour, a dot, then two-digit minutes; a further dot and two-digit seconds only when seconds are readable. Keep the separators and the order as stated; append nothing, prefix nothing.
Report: 3.13
